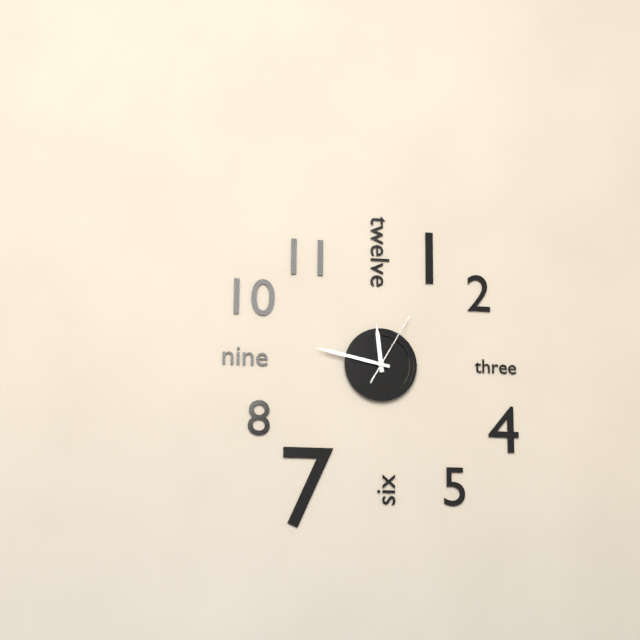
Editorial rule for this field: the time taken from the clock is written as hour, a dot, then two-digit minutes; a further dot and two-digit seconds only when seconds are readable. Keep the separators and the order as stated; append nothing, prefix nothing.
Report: 11.47.05
